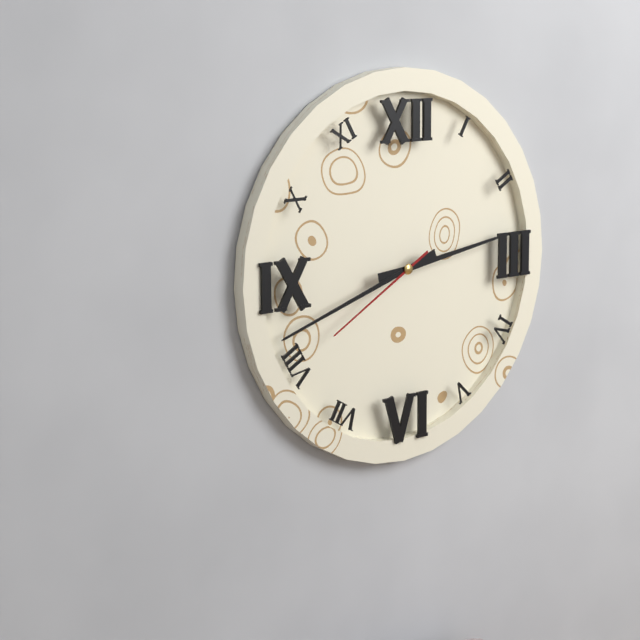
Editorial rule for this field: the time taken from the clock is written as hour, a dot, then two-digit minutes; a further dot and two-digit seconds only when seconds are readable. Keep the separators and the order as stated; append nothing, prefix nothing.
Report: 2.42.40
